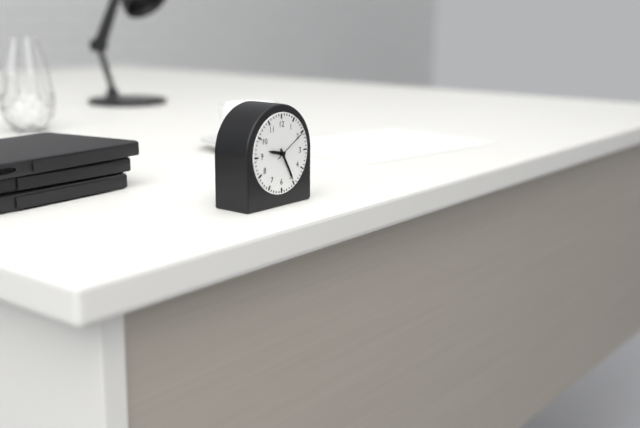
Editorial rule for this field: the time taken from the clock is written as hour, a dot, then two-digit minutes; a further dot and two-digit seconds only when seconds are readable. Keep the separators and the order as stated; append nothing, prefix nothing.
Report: 9.25.10
